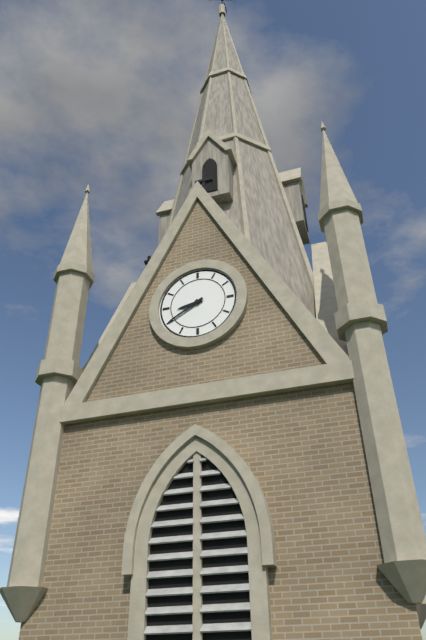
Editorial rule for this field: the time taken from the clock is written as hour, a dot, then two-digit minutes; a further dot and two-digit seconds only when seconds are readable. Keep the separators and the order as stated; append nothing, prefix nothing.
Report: 8.40
